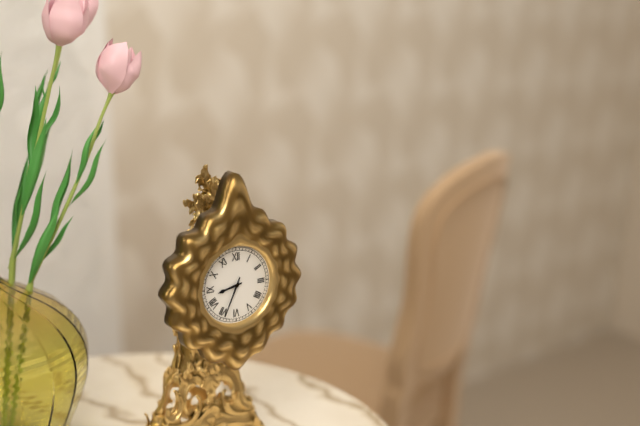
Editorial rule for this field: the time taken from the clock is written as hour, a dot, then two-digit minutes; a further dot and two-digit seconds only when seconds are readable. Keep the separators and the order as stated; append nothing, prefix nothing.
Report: 8.34
